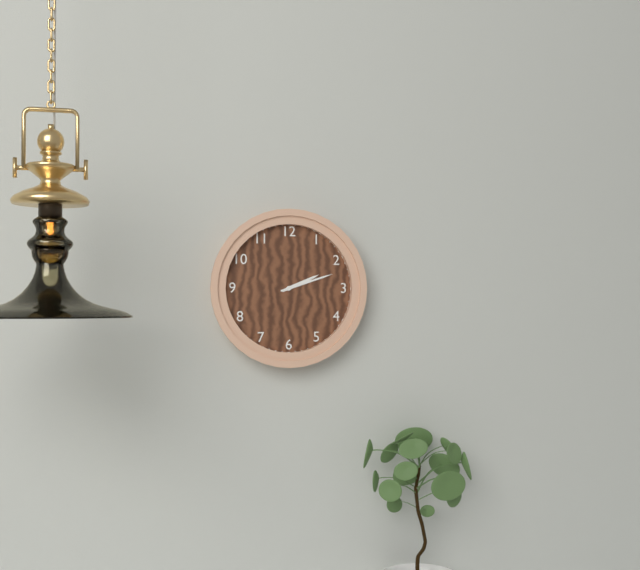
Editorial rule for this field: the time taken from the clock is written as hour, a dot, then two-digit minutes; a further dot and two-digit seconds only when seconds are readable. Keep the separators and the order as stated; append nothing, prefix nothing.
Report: 2.12
